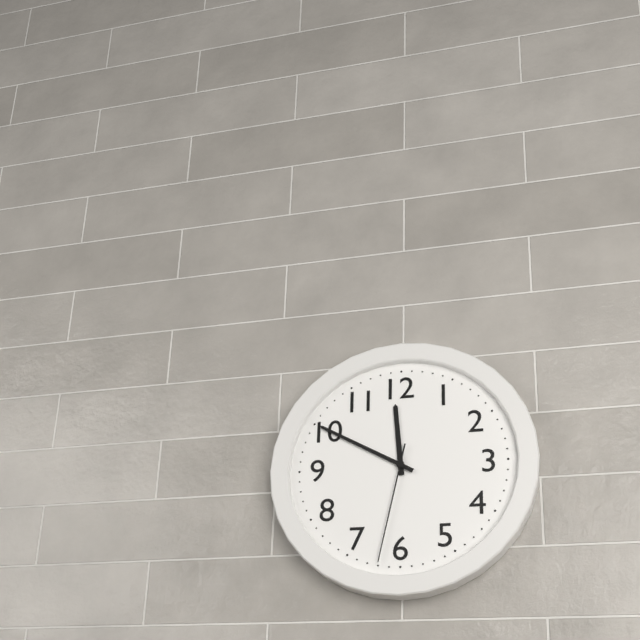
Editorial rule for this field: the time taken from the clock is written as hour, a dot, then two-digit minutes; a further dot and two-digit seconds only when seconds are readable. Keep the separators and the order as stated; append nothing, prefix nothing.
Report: 11.50.32
